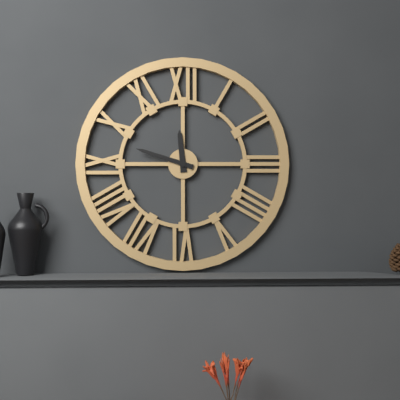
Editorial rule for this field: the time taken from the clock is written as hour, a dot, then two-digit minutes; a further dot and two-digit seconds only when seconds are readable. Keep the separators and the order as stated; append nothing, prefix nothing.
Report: 11.48
